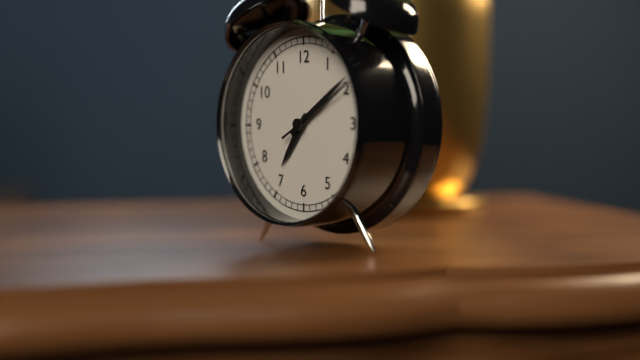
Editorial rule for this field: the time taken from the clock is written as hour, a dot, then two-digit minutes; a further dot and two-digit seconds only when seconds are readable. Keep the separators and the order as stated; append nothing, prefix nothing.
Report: 7.09.10
